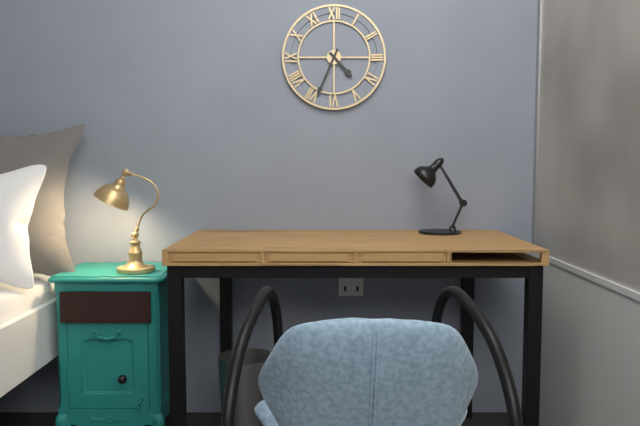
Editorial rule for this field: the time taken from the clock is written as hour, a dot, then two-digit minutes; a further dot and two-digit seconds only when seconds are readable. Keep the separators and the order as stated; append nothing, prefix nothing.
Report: 4.34
